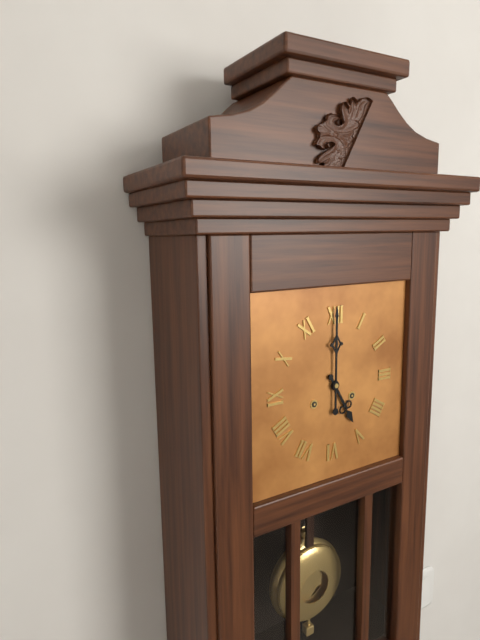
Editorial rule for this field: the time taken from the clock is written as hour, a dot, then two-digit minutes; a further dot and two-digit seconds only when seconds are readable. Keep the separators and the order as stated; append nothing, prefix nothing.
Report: 5.00
